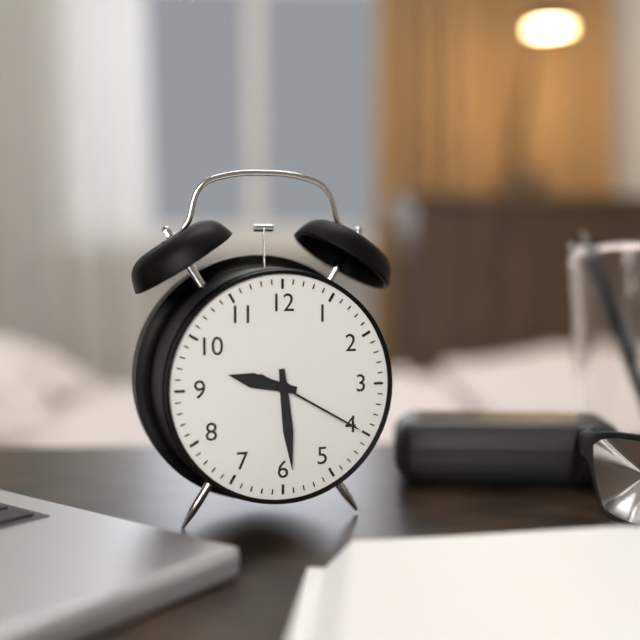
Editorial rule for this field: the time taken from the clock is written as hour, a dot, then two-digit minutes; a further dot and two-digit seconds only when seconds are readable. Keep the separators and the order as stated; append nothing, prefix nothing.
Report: 9.29.20
